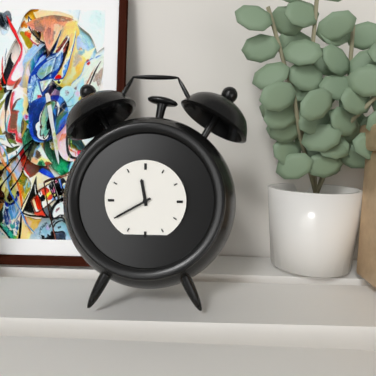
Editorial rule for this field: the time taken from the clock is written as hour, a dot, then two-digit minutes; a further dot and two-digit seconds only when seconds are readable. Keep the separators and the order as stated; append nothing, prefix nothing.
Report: 11.40
